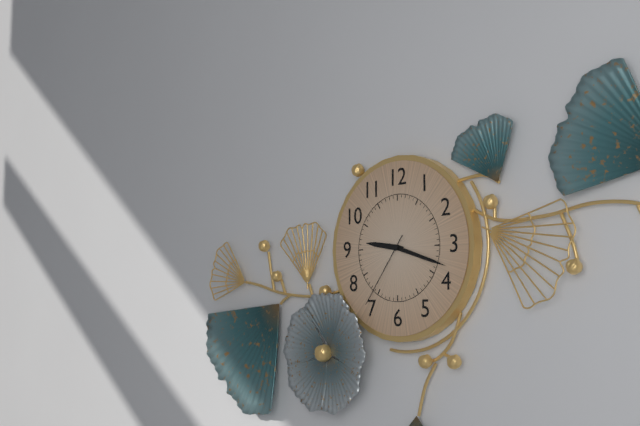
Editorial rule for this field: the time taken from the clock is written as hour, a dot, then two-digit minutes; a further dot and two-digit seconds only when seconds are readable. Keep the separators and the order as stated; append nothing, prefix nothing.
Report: 9.18.36
